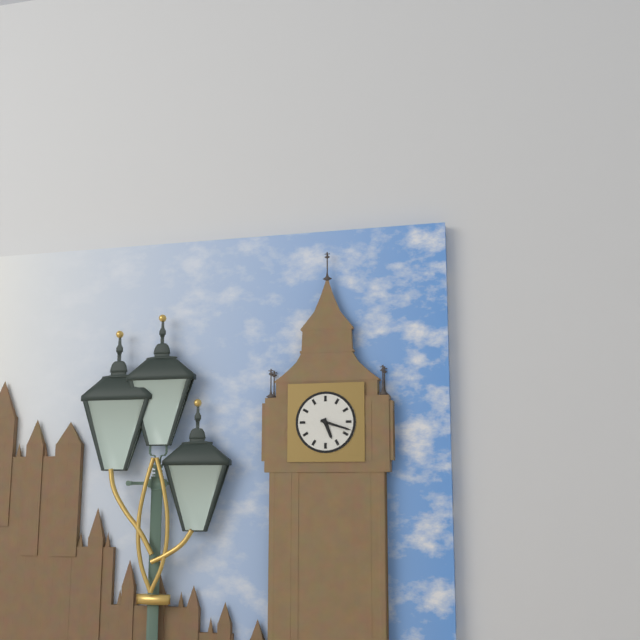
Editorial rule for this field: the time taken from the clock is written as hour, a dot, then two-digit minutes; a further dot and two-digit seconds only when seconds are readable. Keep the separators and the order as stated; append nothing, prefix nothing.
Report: 5.18
